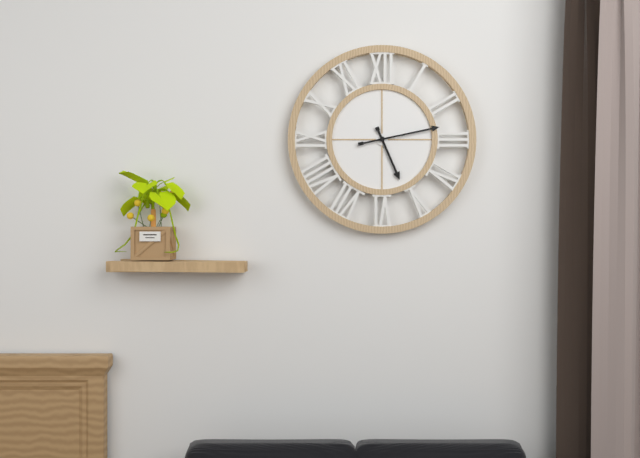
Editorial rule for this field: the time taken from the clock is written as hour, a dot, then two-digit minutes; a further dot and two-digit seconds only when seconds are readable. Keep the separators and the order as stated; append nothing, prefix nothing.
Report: 5.13
